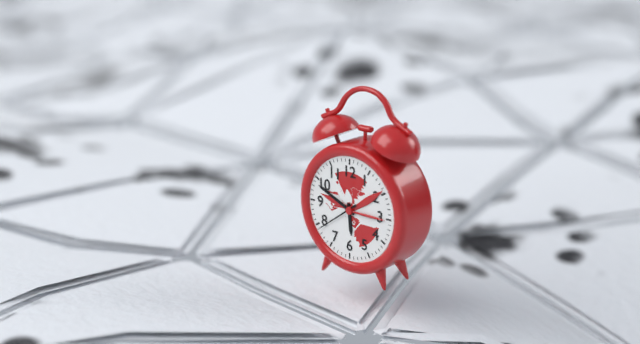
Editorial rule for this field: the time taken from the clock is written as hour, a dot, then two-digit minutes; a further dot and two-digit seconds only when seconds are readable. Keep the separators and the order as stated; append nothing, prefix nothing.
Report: 5.49
